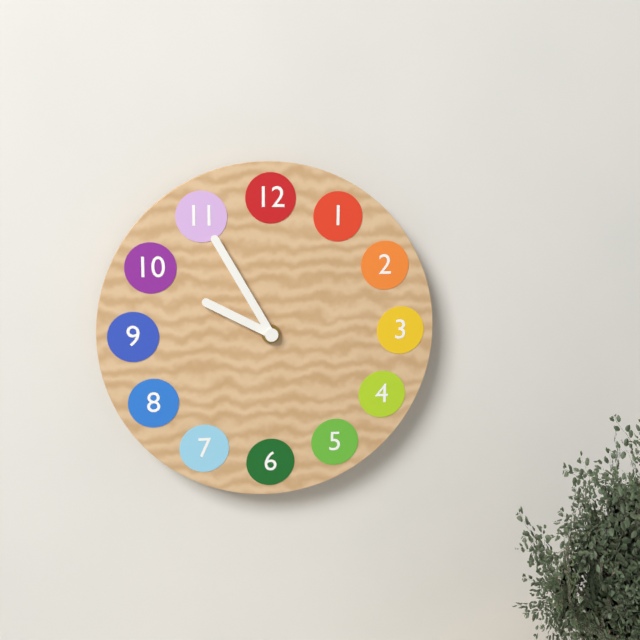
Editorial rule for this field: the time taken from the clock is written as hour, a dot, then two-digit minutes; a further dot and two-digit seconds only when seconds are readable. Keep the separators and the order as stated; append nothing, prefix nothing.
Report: 9.55
